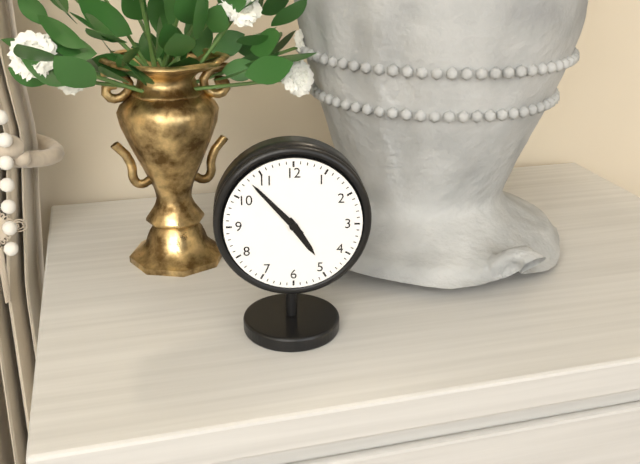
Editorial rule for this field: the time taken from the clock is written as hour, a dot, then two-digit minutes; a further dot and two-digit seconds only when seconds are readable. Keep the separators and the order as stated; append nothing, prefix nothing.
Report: 4.53
